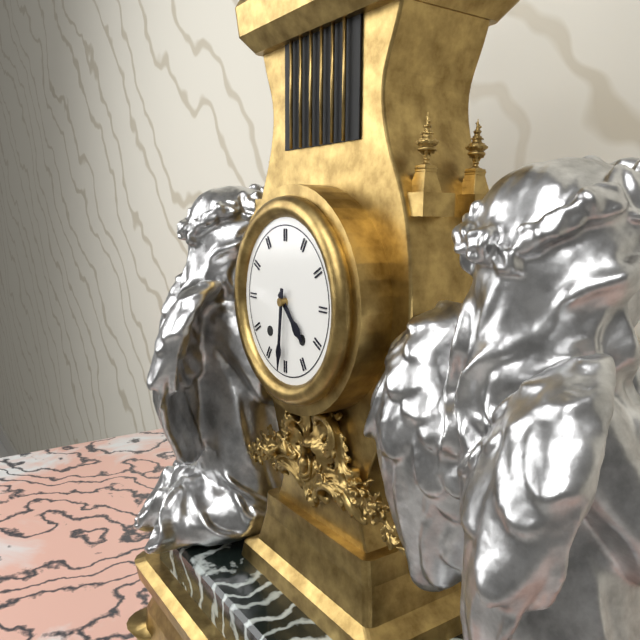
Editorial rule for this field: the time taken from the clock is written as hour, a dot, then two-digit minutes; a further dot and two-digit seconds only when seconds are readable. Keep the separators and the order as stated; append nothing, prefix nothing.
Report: 4.31
